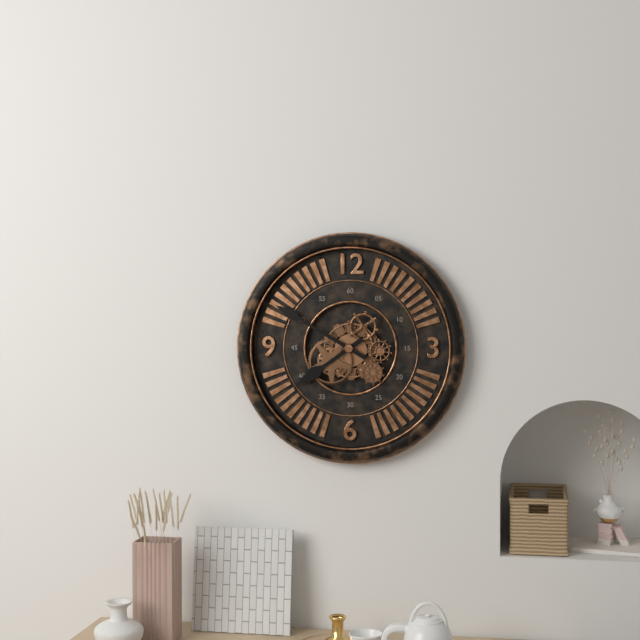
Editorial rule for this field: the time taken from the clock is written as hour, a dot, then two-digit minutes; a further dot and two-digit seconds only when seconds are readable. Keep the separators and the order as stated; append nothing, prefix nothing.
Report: 7.50
